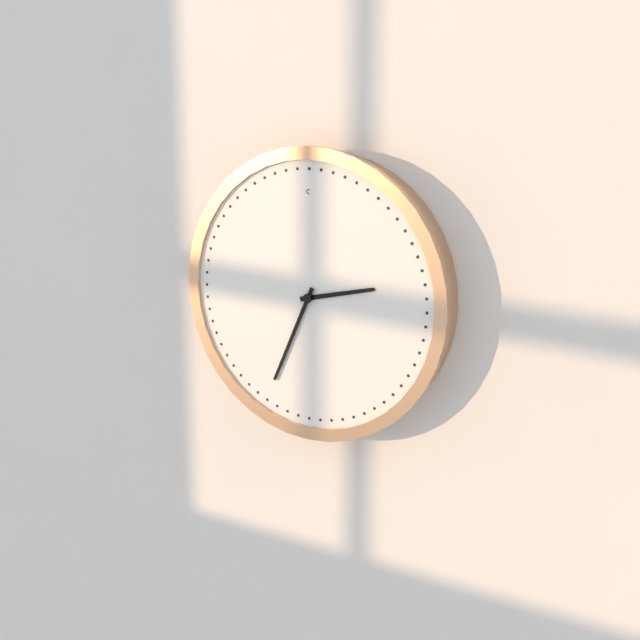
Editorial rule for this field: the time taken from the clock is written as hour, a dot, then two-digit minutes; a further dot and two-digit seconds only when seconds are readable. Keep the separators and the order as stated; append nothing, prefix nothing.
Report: 2.34
